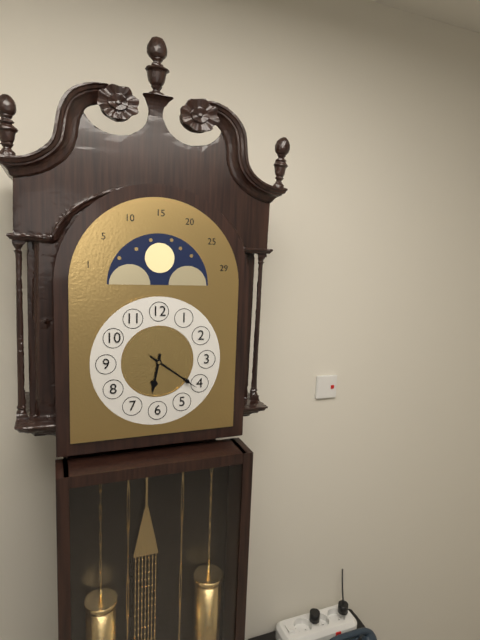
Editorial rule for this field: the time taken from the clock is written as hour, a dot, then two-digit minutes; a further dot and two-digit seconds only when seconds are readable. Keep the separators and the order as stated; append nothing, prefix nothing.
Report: 6.21
